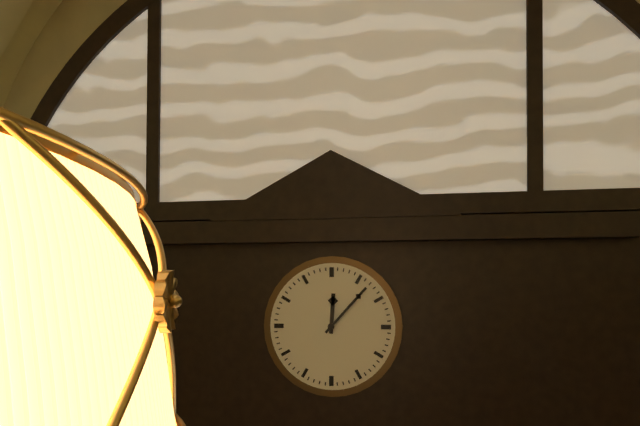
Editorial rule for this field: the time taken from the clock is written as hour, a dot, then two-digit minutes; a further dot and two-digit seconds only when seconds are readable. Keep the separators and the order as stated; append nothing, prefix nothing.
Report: 12.07
